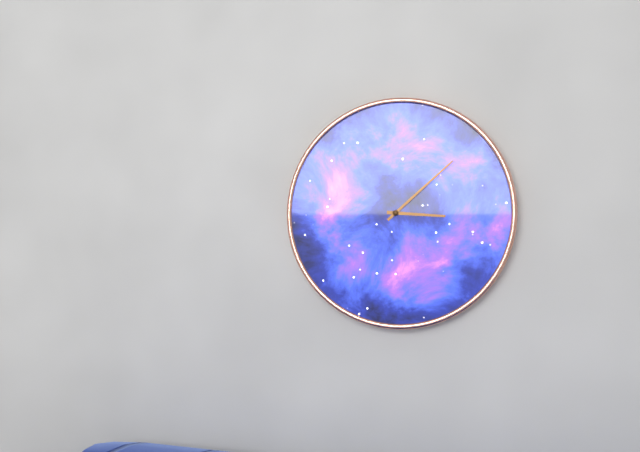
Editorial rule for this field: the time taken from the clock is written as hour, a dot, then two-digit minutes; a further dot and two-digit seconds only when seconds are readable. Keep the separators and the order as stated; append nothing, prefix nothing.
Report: 3.08
